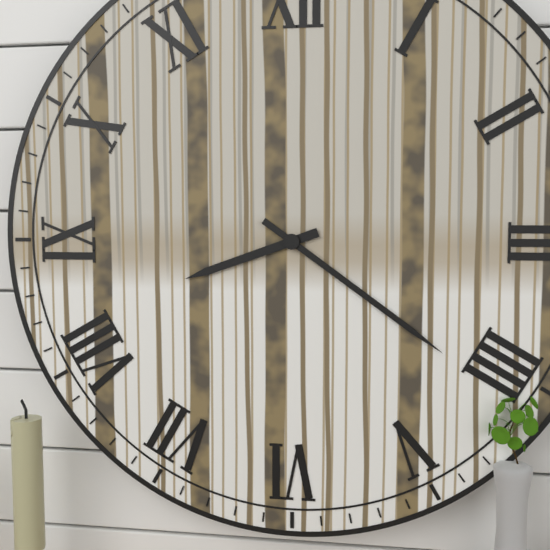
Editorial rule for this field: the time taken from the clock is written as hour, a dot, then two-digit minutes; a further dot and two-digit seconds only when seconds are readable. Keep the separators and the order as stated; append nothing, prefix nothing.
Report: 8.21
